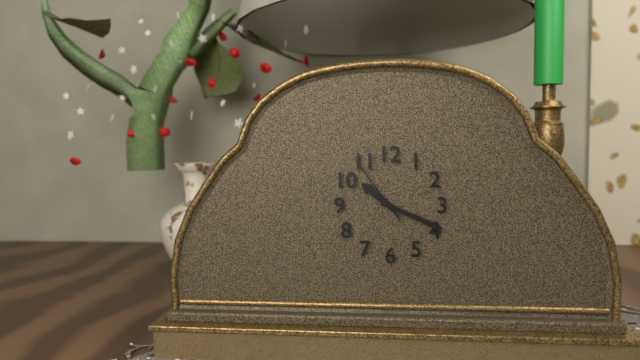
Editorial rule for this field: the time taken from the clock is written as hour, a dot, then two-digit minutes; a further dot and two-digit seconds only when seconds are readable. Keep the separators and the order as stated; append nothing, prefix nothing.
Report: 10.19.54
